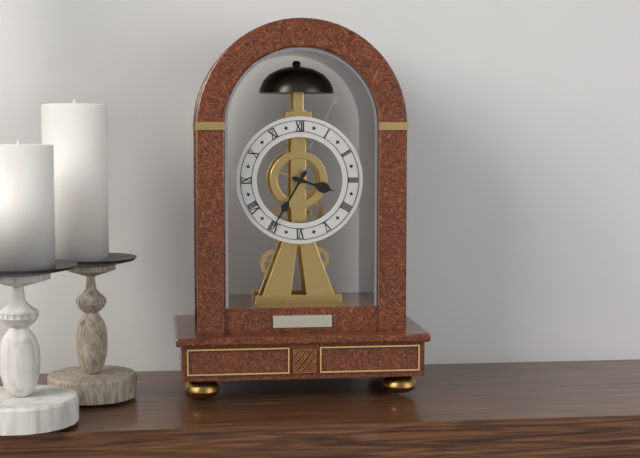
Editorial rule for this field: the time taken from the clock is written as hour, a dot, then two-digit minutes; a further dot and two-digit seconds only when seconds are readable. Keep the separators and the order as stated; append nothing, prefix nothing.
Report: 3.35
